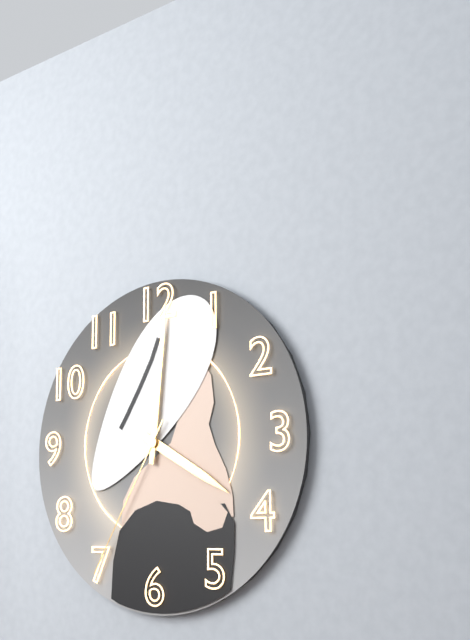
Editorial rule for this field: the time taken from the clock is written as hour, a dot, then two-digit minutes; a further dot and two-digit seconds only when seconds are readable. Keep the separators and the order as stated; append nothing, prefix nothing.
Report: 4.01.35
